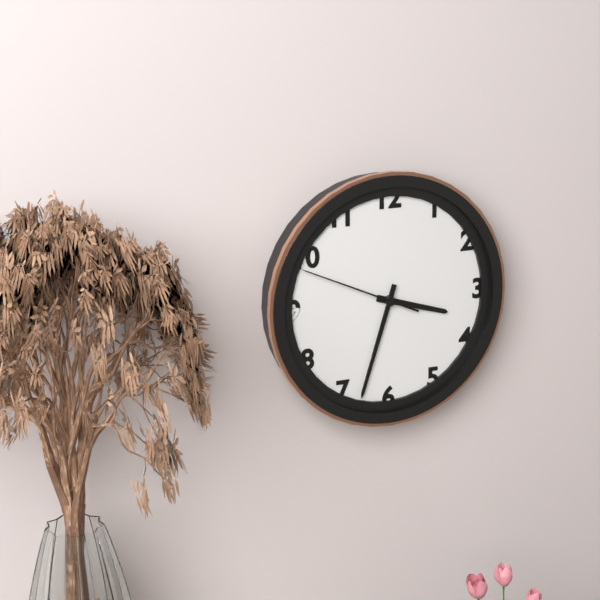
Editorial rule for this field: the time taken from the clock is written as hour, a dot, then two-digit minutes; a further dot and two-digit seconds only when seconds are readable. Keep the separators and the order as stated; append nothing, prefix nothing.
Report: 3.33.49
